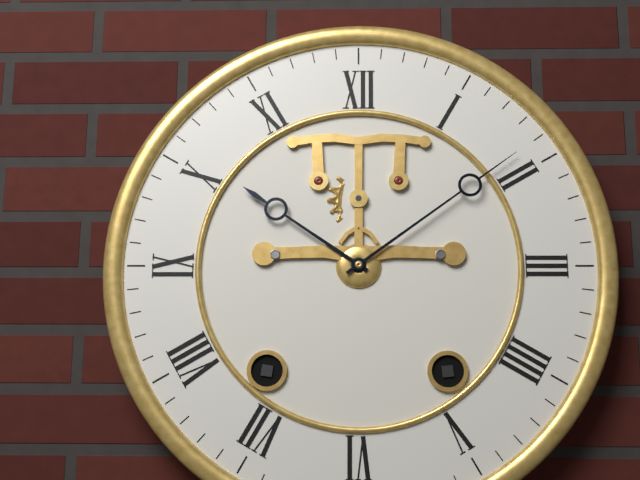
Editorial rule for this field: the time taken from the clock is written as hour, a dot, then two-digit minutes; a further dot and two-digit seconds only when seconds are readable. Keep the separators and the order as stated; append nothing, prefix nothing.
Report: 10.09
